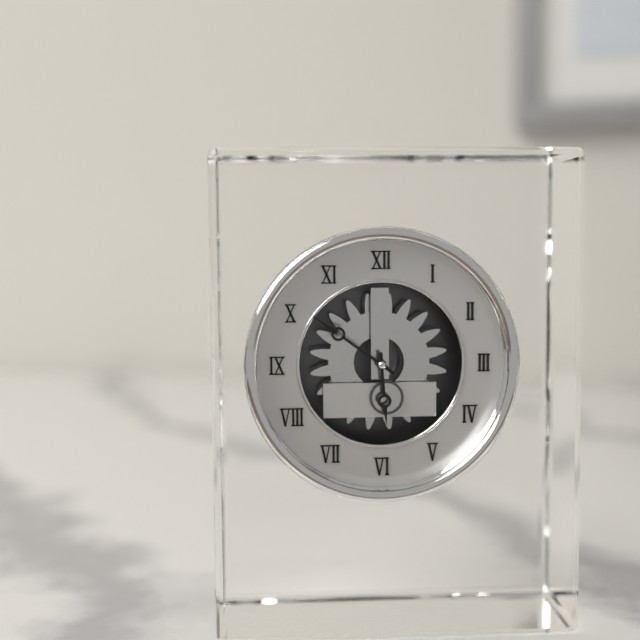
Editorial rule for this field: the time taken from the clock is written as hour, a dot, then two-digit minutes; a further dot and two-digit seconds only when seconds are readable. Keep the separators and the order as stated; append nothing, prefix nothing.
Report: 5.51
